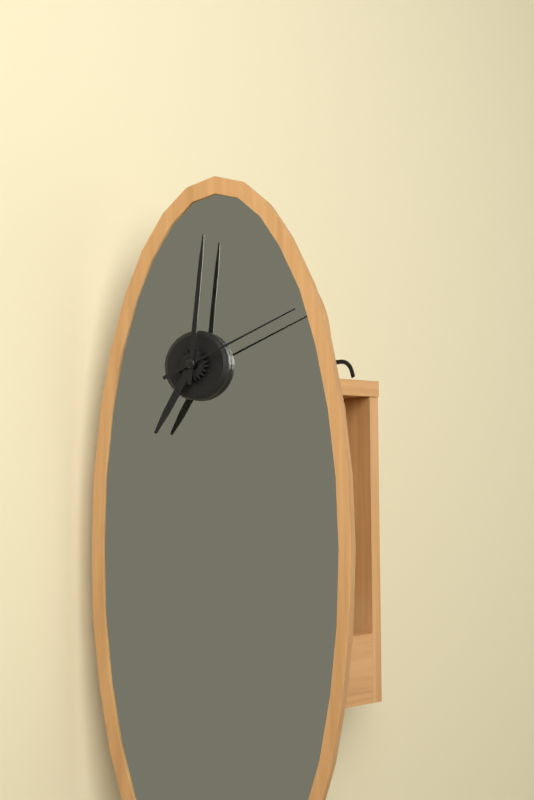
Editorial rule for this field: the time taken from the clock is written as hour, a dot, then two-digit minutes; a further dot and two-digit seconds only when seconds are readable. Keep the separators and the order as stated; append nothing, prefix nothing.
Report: 7.01.11
